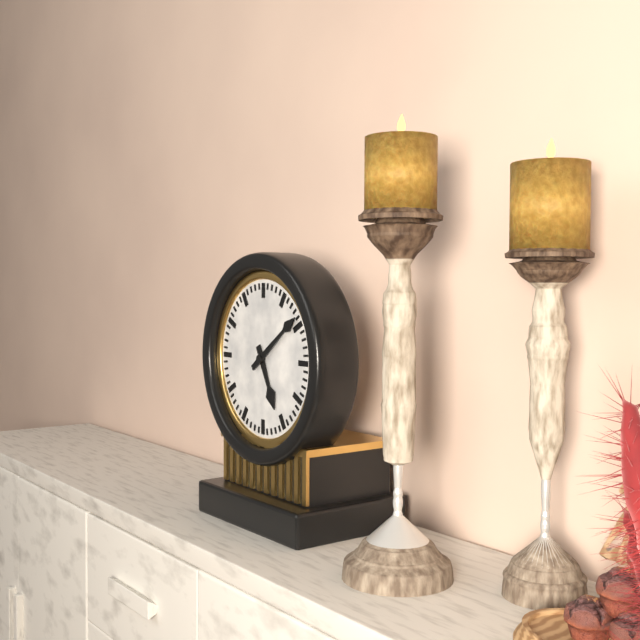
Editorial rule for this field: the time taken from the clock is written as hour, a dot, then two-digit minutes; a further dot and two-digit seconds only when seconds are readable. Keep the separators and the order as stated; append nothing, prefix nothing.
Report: 5.09
